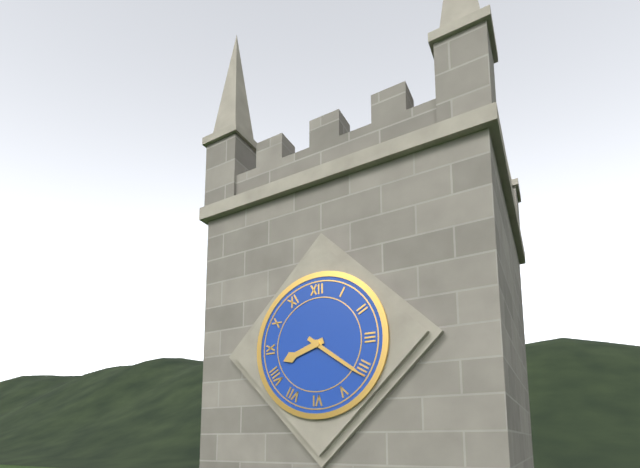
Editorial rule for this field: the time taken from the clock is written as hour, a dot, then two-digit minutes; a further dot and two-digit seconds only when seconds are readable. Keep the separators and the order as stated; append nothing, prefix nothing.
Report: 8.21
